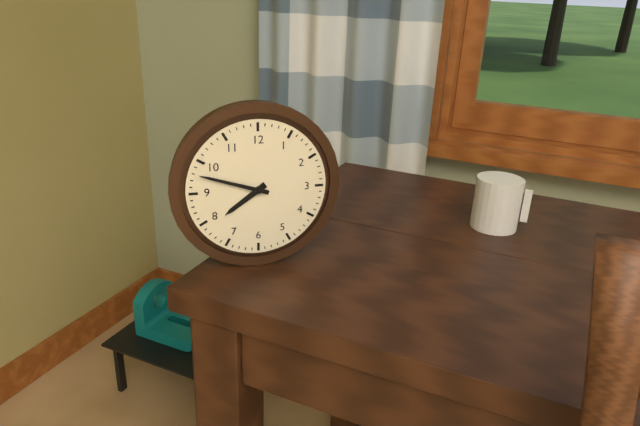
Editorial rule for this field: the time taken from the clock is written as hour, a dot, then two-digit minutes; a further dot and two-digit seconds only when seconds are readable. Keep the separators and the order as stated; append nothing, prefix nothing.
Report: 7.48
